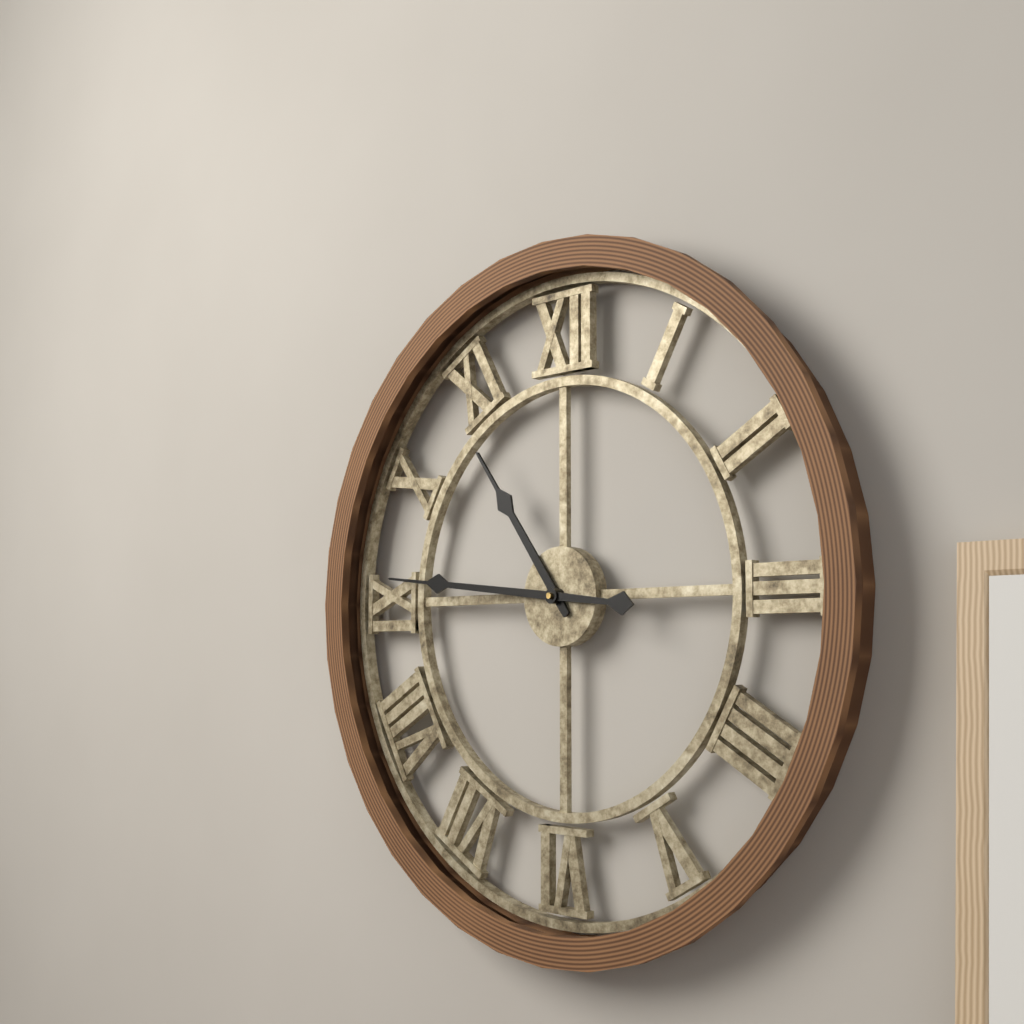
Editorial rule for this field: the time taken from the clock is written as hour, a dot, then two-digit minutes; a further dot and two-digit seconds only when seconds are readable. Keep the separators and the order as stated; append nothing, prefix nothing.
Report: 10.46
